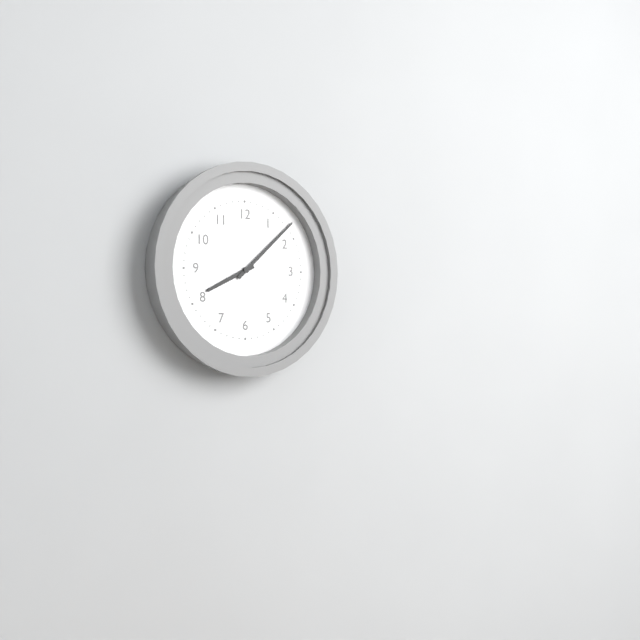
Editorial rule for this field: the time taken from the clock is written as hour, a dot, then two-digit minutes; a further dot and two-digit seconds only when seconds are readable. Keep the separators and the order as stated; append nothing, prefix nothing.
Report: 8.08
